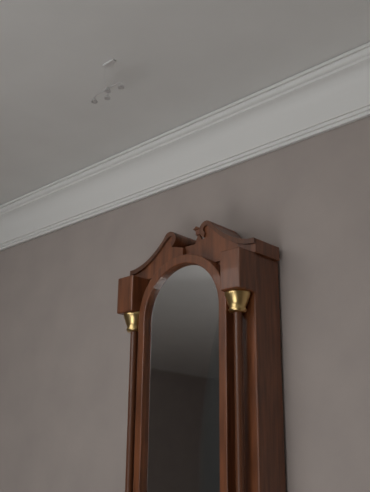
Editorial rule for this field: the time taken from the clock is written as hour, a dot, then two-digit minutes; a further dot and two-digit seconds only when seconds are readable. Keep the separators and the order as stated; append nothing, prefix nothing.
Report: 1.59
